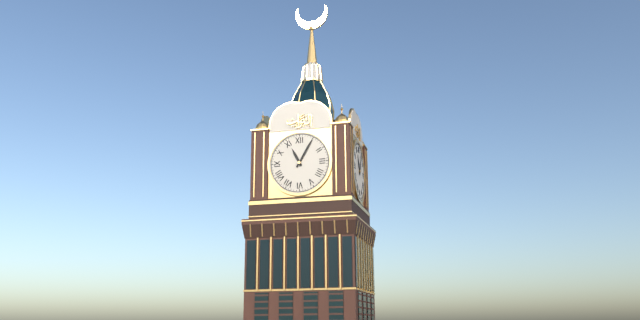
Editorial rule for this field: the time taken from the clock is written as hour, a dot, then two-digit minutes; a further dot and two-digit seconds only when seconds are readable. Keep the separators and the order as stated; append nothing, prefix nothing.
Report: 11.05
